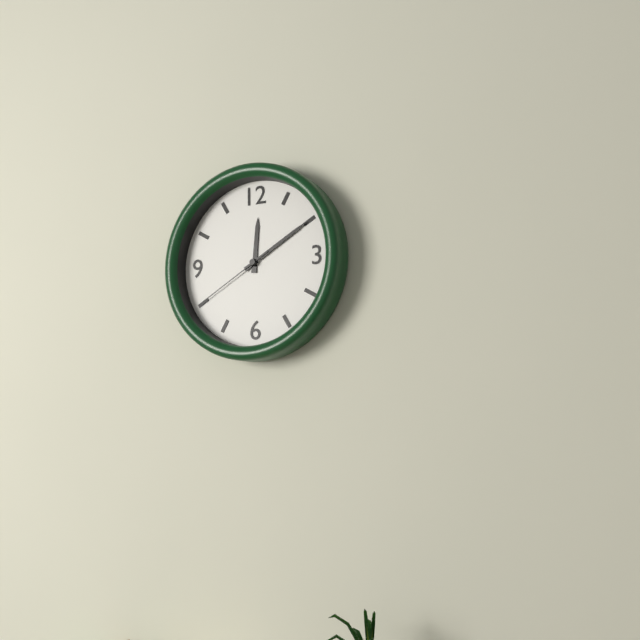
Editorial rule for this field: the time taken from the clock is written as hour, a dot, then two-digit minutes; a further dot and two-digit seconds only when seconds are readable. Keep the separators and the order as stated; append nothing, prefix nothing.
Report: 12.10.40
